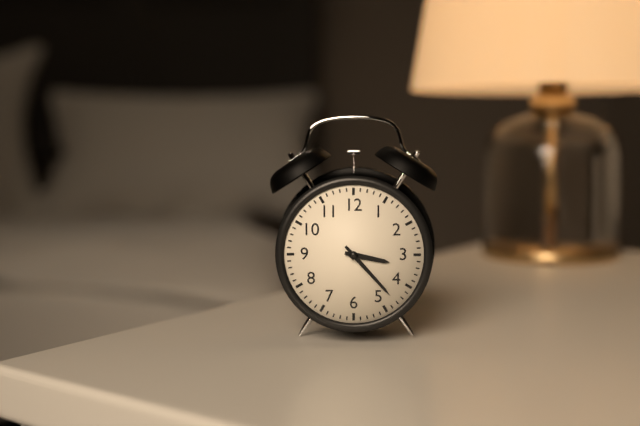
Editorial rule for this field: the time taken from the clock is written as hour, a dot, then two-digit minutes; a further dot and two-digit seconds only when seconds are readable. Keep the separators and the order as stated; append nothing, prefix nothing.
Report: 3.23
